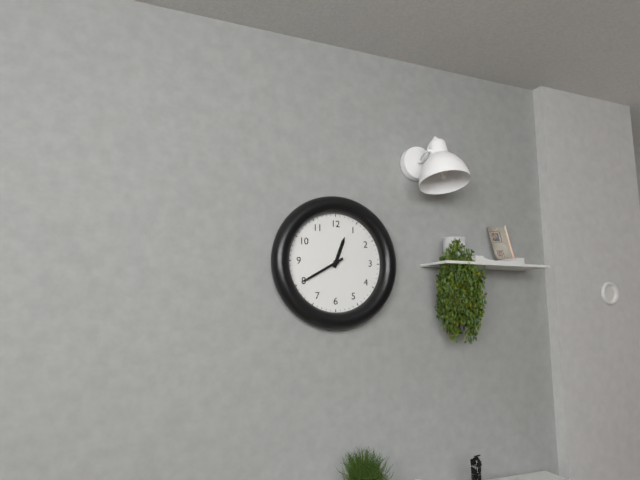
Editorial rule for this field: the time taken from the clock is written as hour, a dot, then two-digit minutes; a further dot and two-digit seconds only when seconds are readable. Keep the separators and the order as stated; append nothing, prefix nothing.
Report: 12.40
